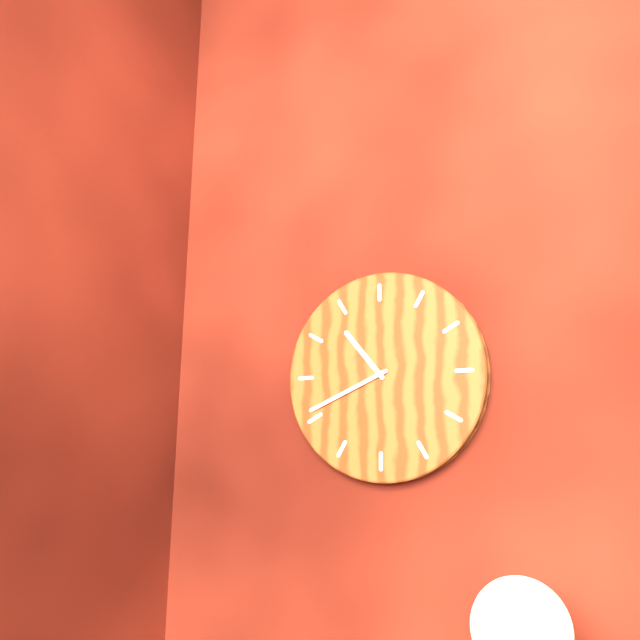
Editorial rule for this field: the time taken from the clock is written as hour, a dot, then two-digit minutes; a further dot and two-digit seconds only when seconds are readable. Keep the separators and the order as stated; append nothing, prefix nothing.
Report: 10.41
